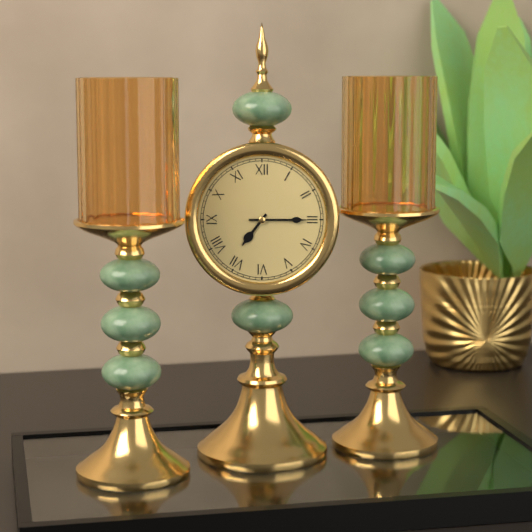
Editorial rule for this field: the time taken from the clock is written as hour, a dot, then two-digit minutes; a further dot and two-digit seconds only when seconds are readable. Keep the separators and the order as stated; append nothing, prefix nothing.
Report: 7.15
